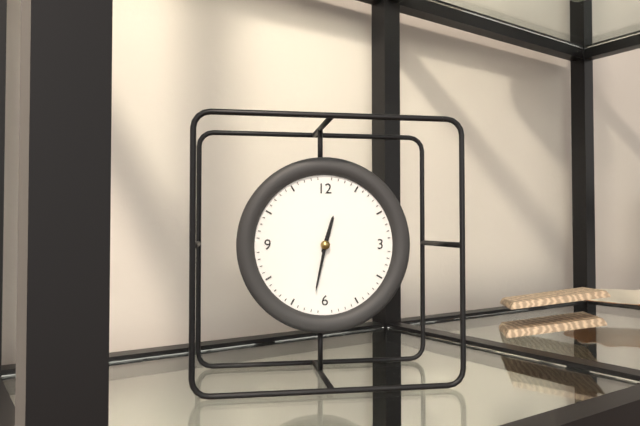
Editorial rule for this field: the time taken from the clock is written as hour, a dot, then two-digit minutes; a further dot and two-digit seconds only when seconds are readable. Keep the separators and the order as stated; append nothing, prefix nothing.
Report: 12.32
